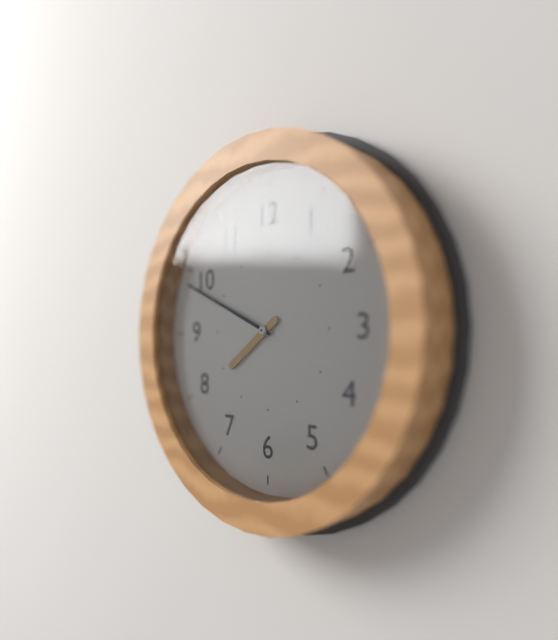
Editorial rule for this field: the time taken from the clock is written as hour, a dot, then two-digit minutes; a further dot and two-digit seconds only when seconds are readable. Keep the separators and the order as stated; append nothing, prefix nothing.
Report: 7.49
